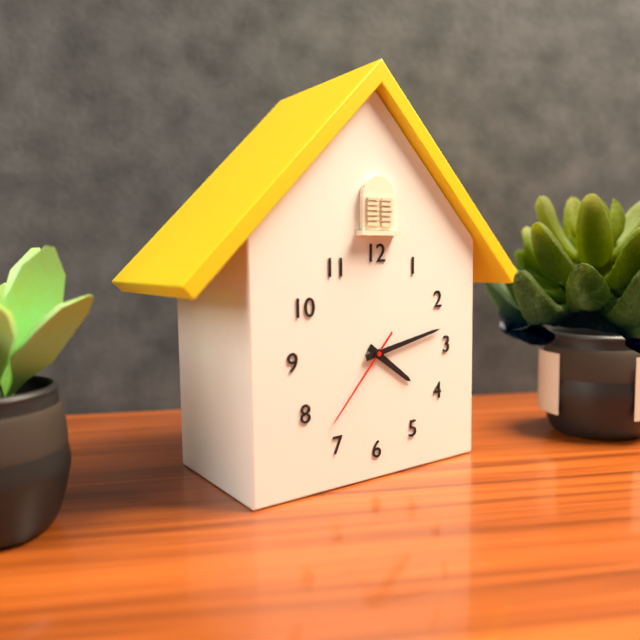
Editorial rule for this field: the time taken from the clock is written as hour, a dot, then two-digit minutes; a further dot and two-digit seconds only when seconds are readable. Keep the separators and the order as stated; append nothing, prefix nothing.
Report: 4.13.37
